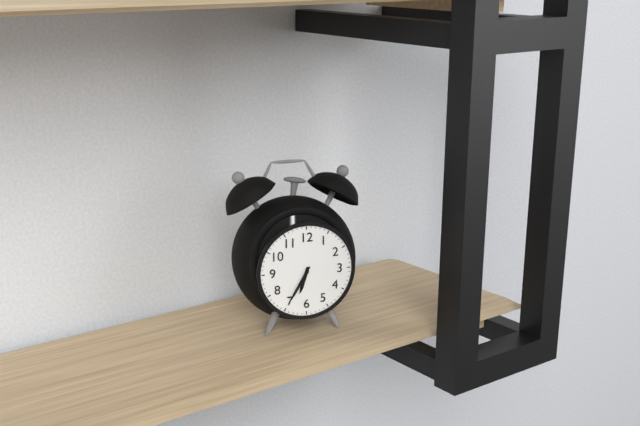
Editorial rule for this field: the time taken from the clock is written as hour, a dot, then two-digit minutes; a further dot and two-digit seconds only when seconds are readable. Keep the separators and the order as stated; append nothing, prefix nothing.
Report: 6.35
